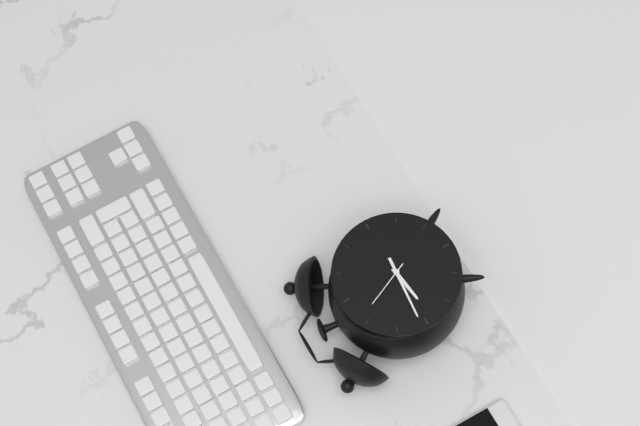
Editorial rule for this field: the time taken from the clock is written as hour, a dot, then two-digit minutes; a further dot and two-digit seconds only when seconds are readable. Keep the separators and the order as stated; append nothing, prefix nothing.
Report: 8.46.56
